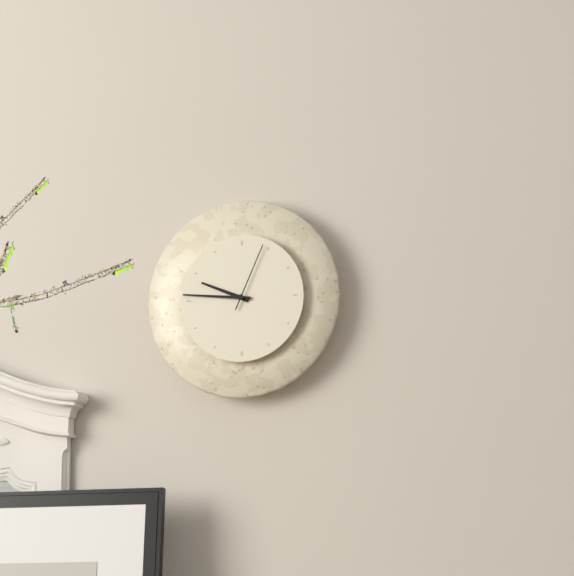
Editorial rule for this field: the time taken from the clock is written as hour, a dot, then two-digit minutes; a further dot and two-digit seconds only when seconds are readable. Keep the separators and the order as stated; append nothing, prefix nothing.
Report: 9.46.04
